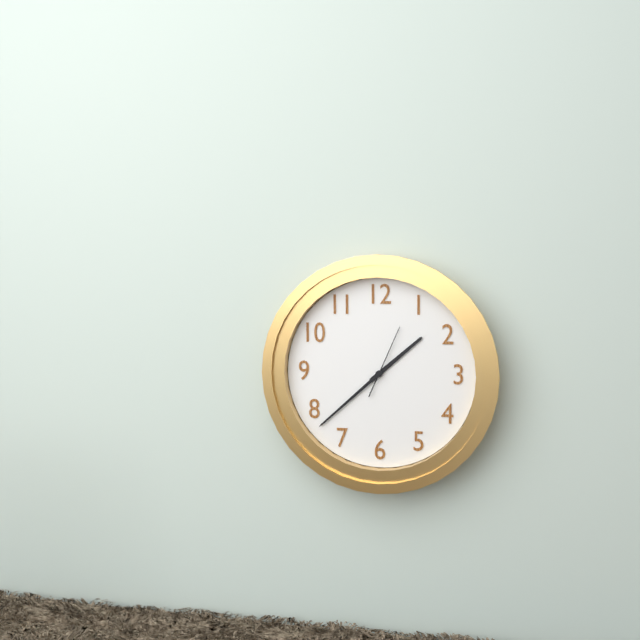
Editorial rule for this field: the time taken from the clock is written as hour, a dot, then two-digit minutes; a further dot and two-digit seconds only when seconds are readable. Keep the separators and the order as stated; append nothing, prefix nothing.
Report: 1.38.04
